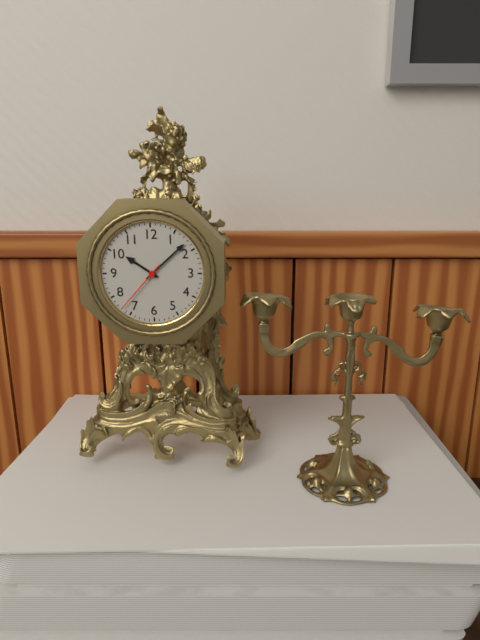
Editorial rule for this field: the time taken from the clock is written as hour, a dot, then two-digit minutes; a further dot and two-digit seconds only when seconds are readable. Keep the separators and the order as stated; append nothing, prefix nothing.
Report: 10.08.37
